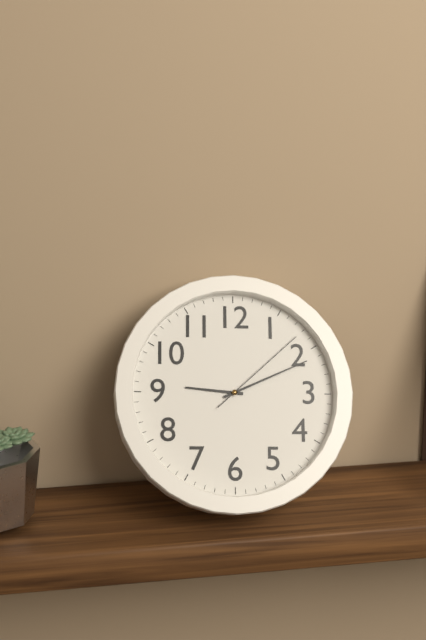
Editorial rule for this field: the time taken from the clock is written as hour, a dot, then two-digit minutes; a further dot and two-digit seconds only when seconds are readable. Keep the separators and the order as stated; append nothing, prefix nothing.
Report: 9.11.08
